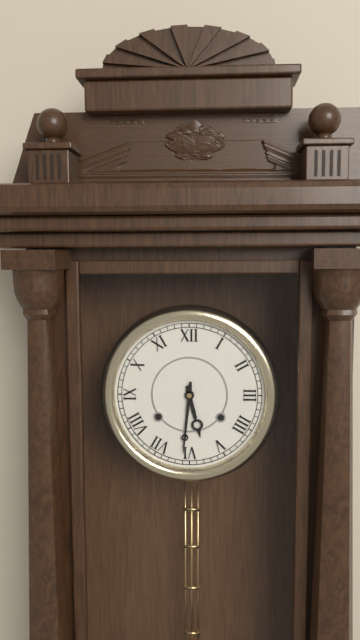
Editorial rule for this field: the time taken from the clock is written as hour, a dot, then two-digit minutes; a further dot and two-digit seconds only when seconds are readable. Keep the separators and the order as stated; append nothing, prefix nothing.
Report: 5.31
